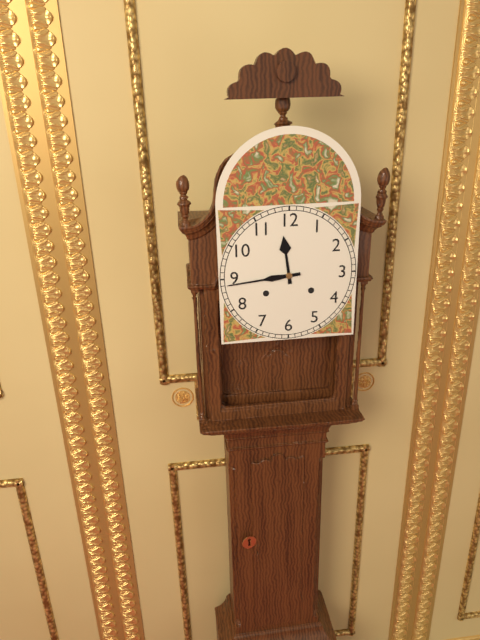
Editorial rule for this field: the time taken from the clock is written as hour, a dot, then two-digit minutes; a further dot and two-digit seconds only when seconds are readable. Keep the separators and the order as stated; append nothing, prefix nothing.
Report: 11.44
